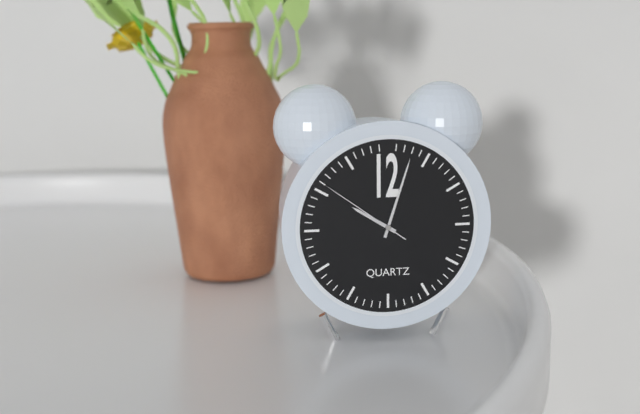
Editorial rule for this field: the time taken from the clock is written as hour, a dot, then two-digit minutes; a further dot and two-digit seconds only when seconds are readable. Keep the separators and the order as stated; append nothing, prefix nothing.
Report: 10.03.51
